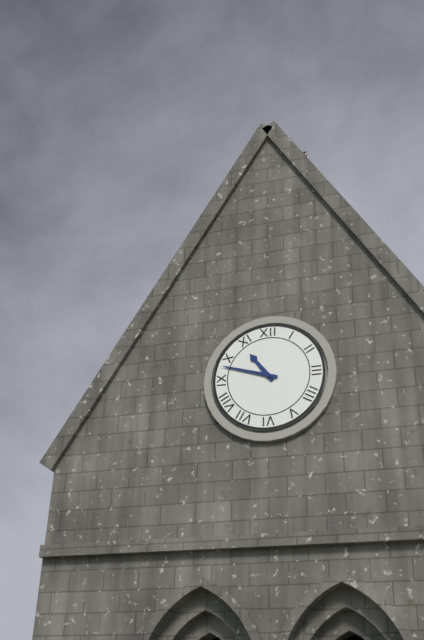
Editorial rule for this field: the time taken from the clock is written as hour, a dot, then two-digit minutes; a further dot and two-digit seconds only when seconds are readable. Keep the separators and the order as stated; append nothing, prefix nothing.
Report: 10.48
